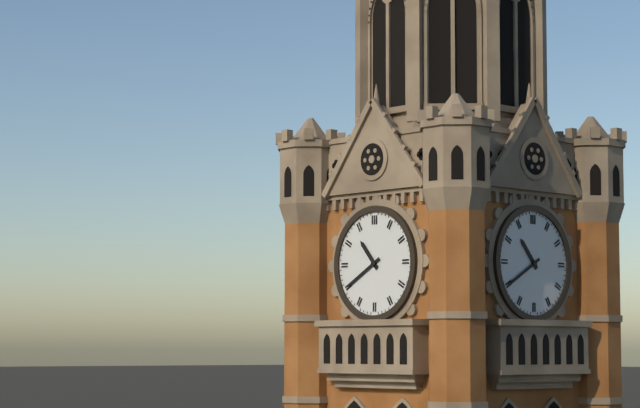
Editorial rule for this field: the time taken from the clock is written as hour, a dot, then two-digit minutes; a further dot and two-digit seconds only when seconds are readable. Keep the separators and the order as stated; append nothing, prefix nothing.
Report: 10.40
